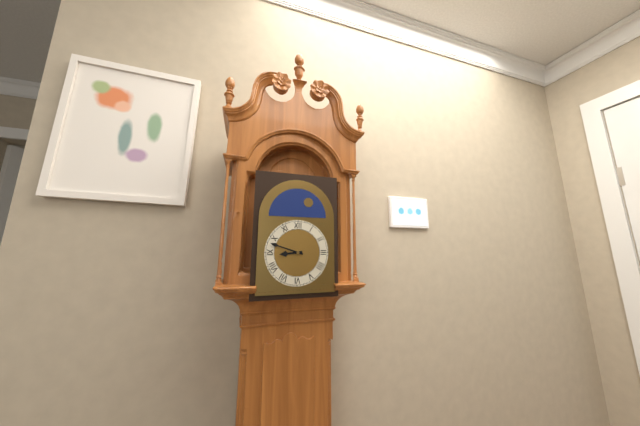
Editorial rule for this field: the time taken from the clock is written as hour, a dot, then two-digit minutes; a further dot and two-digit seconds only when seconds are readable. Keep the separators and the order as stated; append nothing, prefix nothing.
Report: 8.48
